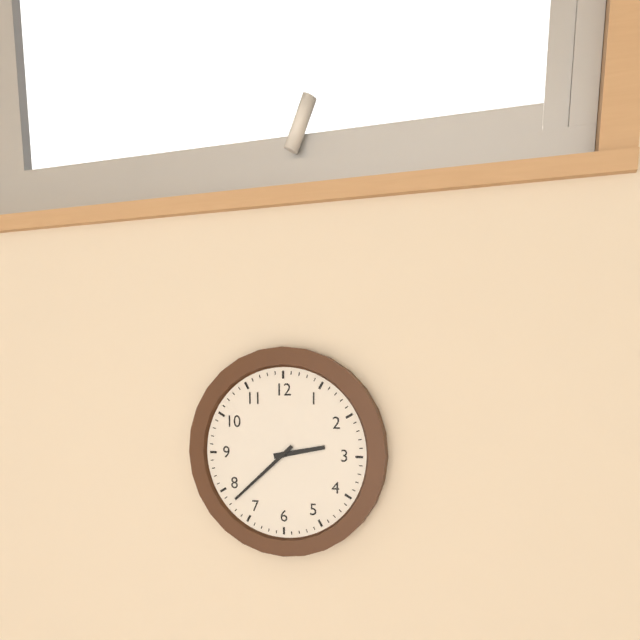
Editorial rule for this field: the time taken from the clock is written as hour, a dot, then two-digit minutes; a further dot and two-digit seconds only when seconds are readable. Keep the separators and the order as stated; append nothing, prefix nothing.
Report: 2.38
